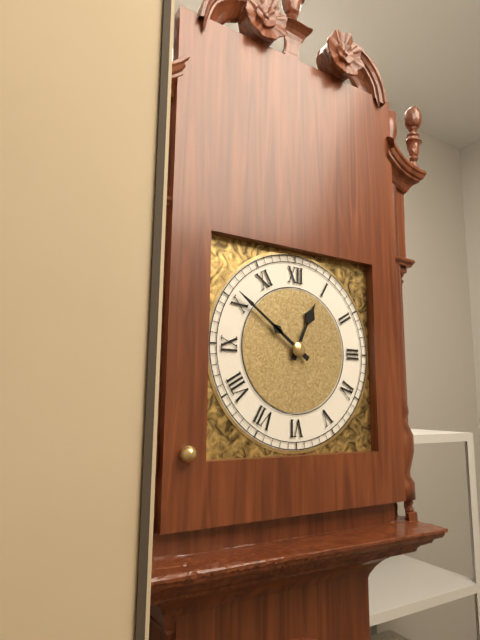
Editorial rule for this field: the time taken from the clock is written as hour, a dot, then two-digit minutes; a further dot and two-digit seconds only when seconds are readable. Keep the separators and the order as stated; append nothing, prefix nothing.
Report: 12.51
